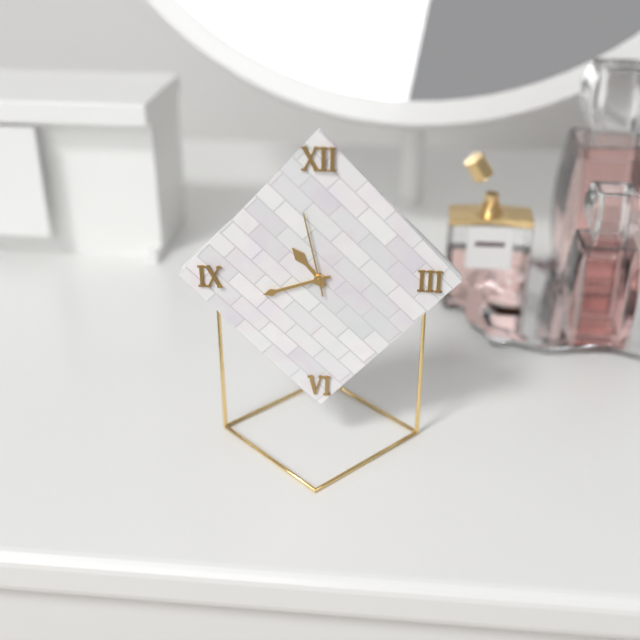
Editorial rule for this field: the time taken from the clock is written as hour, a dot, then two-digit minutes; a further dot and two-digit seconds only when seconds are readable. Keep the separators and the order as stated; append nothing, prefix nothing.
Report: 10.42.58
